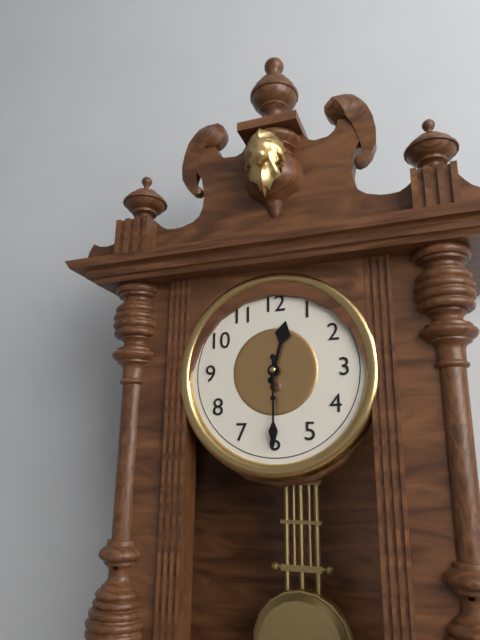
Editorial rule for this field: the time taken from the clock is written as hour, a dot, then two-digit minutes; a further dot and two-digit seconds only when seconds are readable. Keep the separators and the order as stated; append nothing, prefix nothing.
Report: 12.30
